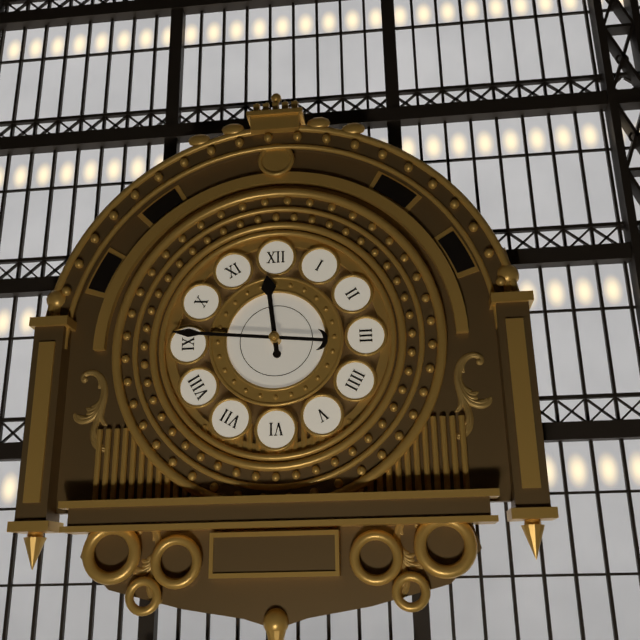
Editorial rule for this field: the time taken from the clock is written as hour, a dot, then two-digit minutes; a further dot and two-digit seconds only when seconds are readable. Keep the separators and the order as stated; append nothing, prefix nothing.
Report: 11.46
